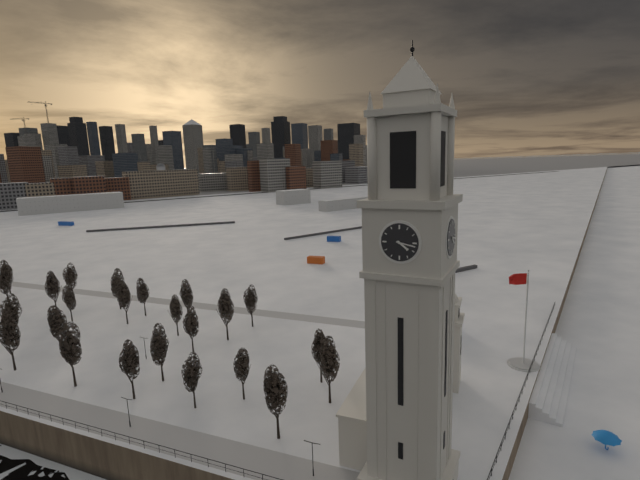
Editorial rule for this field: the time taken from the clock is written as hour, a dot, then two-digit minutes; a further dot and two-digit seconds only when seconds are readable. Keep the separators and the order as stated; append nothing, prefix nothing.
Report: 4.17
